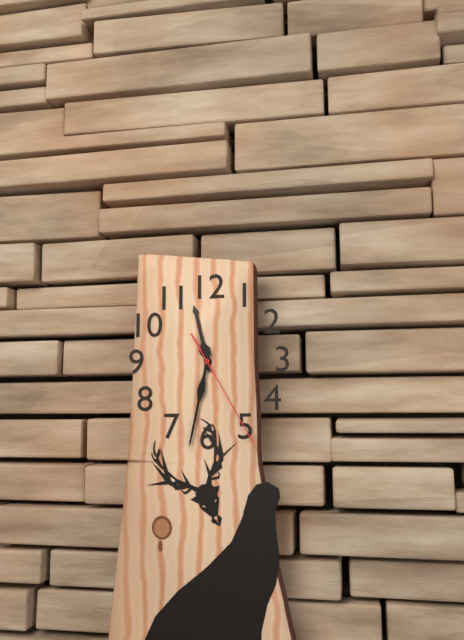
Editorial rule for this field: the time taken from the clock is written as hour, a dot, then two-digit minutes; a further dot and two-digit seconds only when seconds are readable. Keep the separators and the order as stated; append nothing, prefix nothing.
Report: 11.32.25
